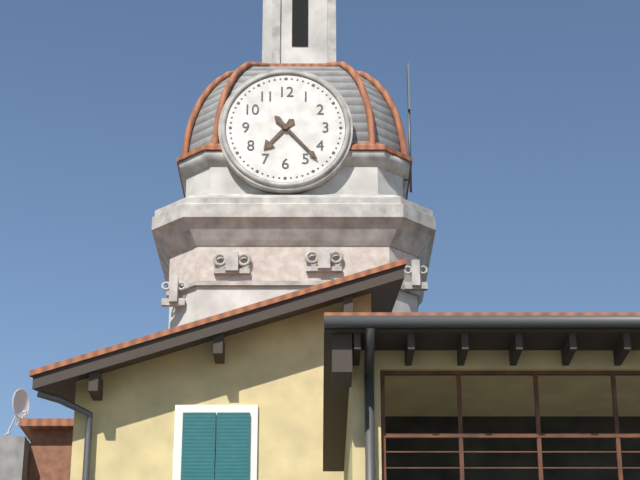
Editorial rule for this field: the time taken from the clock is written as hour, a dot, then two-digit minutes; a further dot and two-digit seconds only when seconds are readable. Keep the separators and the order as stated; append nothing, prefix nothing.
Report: 7.23
